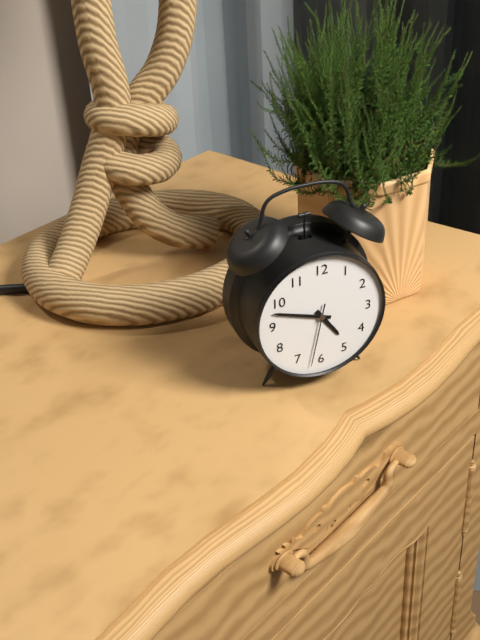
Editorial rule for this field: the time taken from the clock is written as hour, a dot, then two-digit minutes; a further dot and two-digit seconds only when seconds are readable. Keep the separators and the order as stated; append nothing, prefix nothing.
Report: 4.48.32
